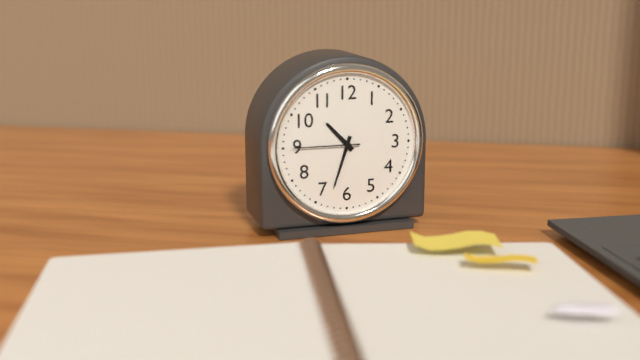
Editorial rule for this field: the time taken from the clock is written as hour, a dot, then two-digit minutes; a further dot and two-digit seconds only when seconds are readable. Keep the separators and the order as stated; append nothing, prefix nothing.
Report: 10.33.45
